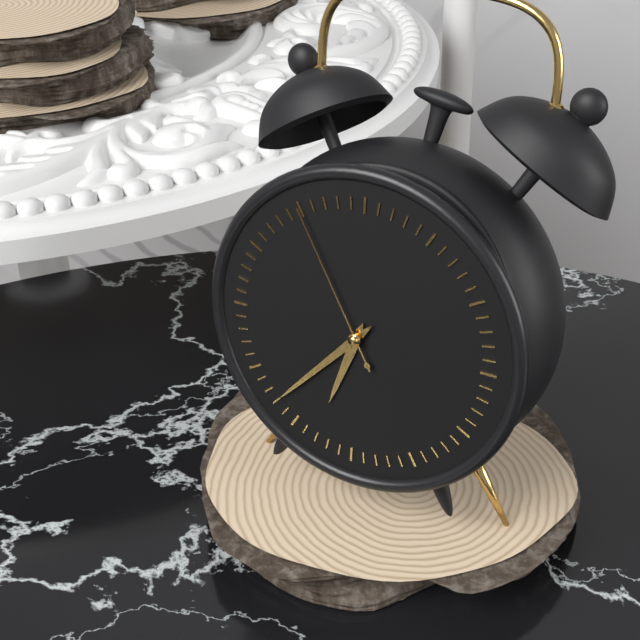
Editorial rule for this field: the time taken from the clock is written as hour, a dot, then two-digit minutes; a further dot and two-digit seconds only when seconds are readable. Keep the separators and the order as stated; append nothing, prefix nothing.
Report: 6.37.55
